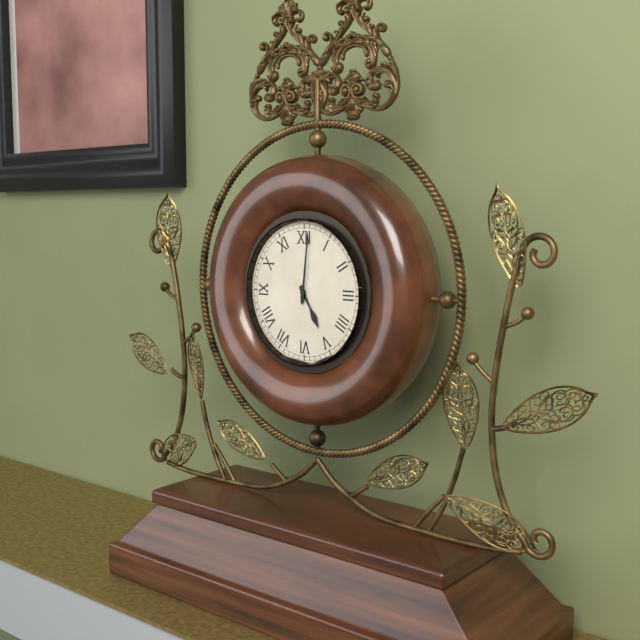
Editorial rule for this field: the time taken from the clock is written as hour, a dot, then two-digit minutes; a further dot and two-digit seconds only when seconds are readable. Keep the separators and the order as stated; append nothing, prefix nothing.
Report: 5.01
